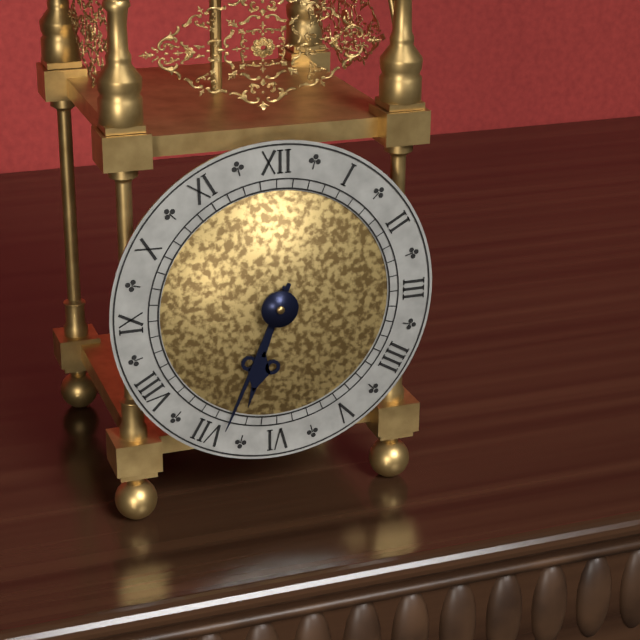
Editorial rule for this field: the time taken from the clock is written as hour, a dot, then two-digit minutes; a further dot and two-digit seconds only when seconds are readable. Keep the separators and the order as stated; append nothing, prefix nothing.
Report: 6.34
